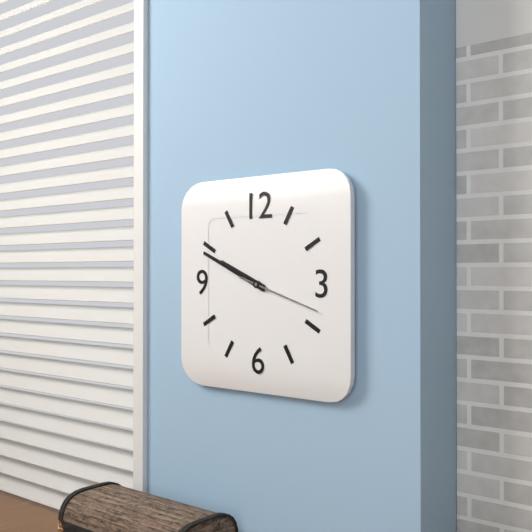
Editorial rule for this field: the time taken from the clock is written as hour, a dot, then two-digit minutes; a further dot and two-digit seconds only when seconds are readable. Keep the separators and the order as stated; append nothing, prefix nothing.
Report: 9.49.18
